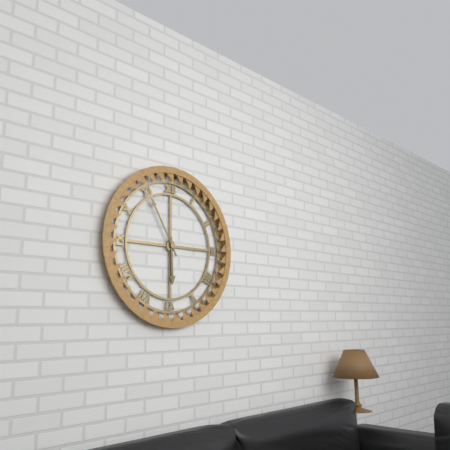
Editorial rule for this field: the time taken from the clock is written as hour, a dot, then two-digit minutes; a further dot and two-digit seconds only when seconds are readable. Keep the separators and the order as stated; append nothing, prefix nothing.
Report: 5.55
